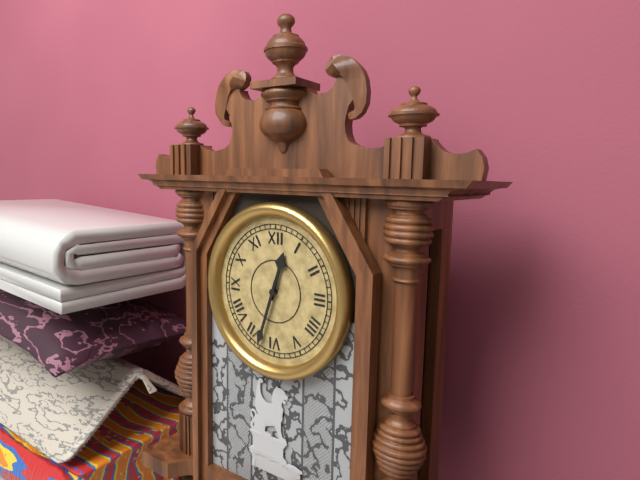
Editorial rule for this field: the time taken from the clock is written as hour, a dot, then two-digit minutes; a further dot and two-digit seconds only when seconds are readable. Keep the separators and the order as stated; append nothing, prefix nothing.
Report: 12.33
